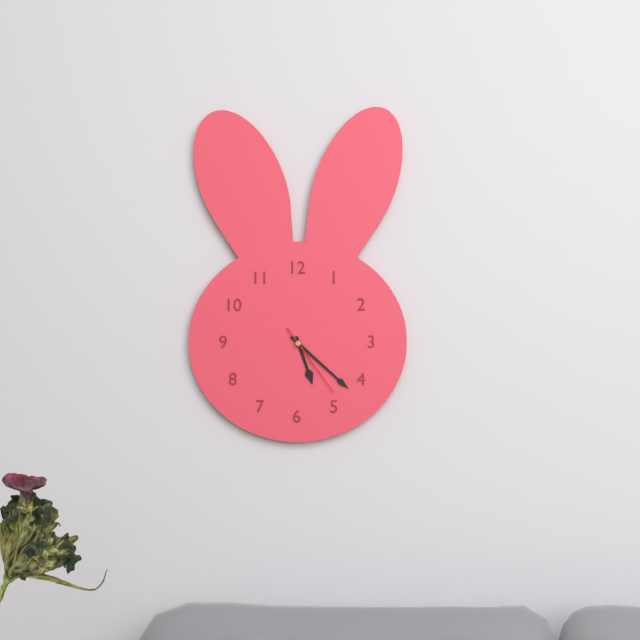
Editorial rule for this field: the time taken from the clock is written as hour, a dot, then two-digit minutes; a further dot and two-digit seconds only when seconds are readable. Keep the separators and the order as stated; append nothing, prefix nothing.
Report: 5.22.24
